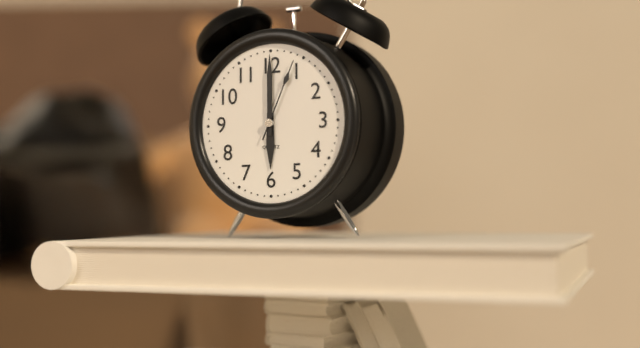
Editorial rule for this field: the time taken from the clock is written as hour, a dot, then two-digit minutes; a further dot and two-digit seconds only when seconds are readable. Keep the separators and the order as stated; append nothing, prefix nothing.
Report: 6.00.04
